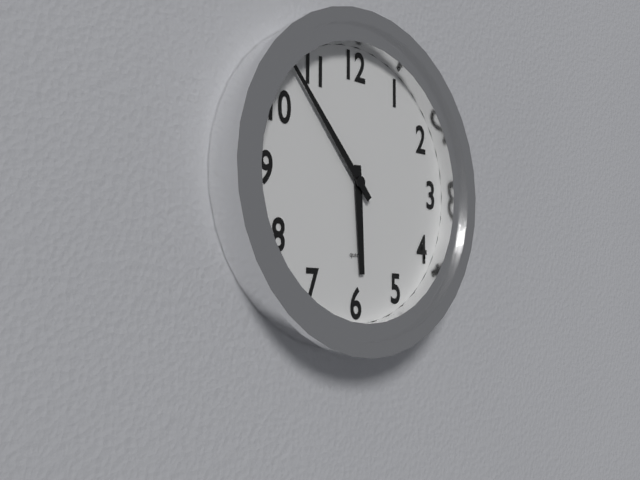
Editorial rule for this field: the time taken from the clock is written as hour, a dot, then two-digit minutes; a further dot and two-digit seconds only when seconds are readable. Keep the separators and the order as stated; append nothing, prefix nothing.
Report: 5.53
